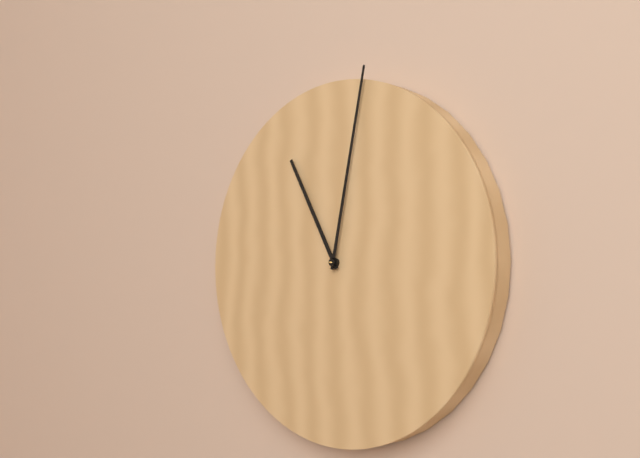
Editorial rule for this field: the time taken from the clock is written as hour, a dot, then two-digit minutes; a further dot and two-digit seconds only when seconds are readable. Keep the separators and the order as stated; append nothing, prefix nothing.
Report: 11.02
